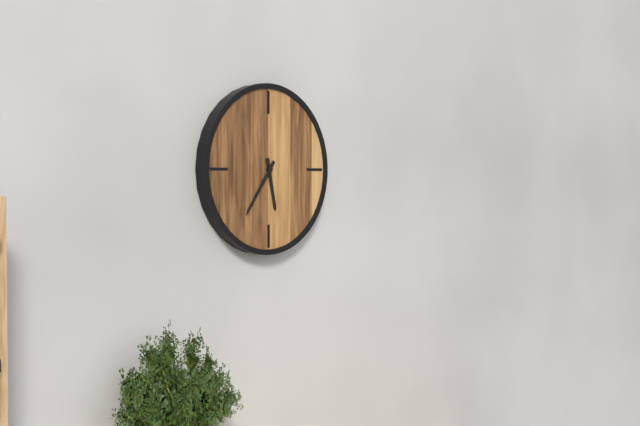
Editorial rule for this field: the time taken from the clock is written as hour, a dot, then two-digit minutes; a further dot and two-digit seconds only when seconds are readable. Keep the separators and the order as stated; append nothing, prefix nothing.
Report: 5.36
